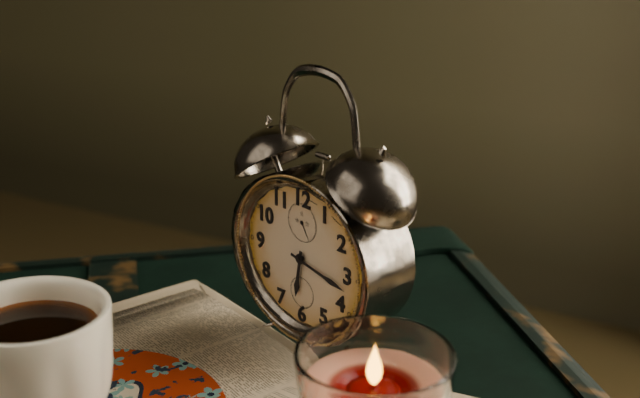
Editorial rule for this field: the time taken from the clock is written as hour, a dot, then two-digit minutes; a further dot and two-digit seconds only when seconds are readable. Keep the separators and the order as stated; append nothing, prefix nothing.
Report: 6.17
